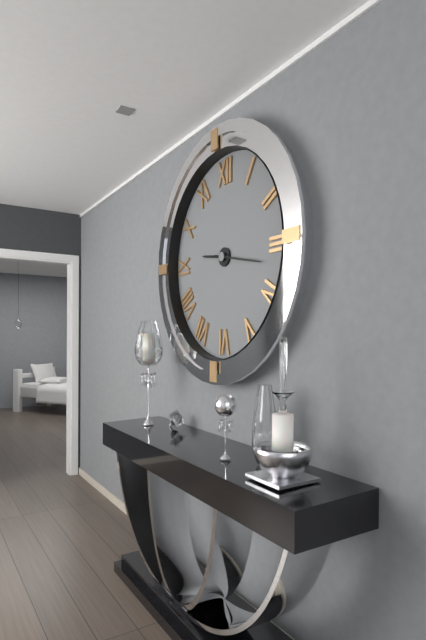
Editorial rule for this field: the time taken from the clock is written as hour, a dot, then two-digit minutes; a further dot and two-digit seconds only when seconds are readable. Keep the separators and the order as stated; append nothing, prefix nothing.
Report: 9.17
